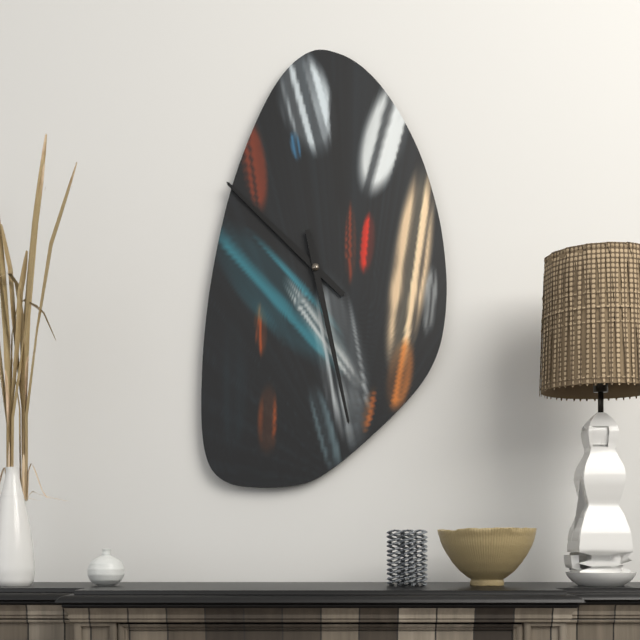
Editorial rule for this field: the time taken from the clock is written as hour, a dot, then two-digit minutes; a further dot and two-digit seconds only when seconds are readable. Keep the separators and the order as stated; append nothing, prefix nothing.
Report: 10.28
